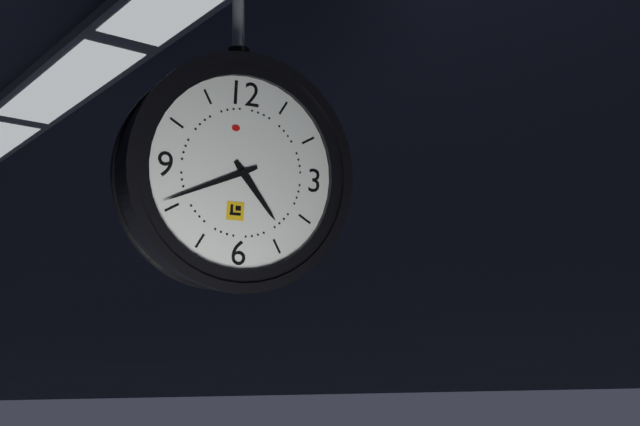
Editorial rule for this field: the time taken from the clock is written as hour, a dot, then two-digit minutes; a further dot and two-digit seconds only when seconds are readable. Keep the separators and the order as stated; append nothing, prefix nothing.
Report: 4.41
